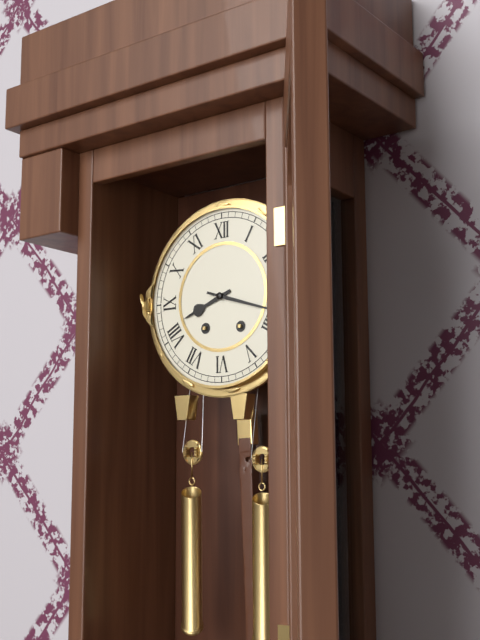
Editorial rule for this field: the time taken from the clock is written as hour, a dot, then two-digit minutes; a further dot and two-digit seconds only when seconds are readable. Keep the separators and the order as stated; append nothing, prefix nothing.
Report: 8.18
